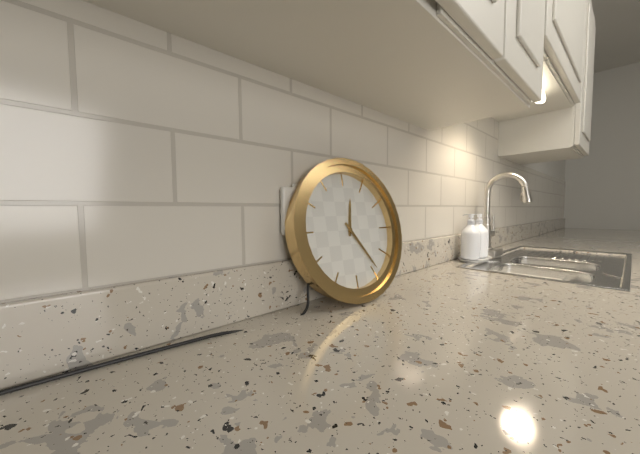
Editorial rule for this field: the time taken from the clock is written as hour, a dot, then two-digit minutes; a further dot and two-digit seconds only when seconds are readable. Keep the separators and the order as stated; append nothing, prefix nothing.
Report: 12.24
